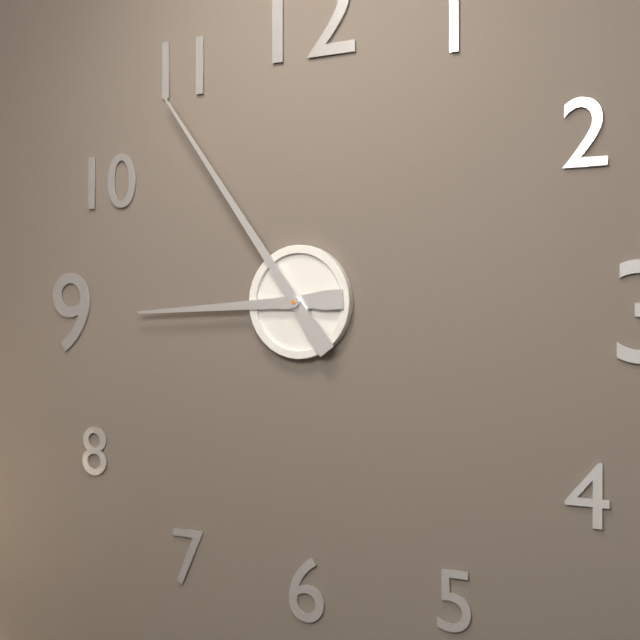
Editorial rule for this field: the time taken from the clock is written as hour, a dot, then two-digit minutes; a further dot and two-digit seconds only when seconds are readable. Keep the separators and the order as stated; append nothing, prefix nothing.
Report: 8.54
